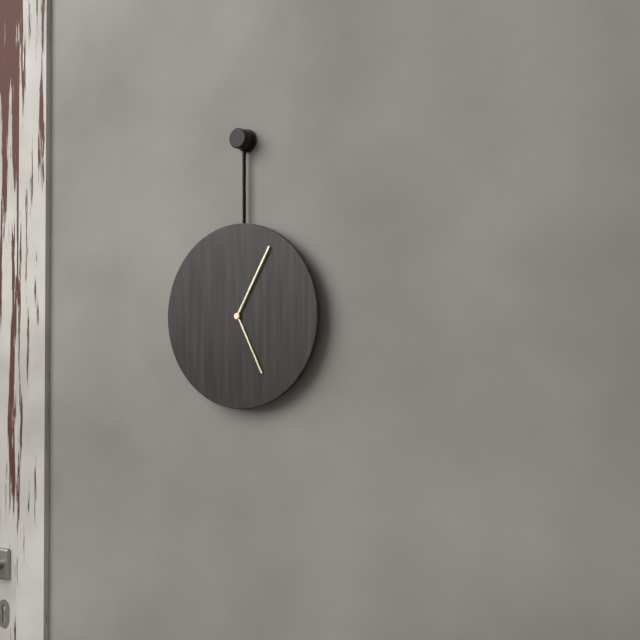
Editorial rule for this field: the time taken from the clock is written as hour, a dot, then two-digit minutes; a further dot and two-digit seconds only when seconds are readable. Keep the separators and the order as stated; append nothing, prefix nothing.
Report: 5.05
